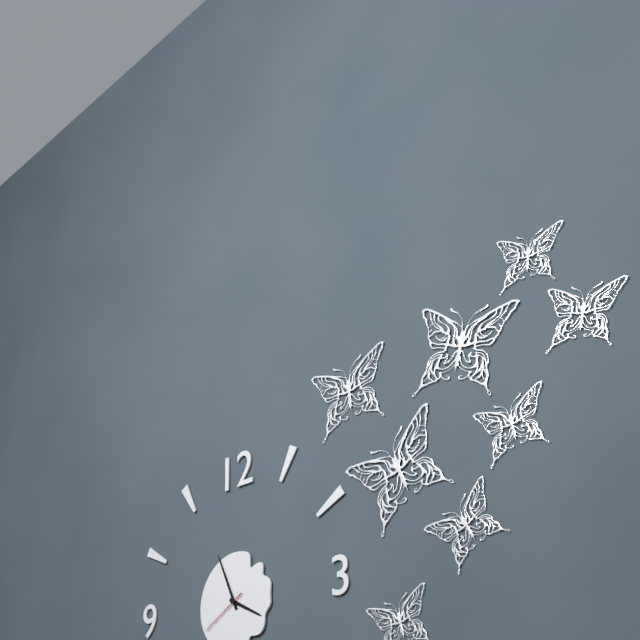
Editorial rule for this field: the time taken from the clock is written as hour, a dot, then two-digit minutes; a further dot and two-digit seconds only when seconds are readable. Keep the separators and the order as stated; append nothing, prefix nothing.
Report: 3.56.40
